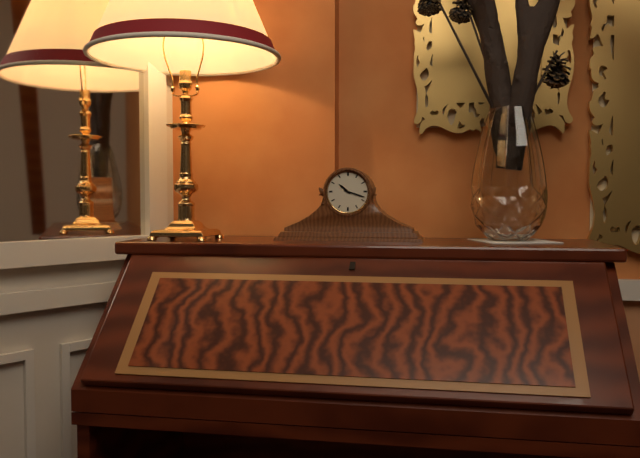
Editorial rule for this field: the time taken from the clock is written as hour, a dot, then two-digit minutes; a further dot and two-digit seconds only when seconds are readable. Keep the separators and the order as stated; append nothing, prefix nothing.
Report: 10.18
